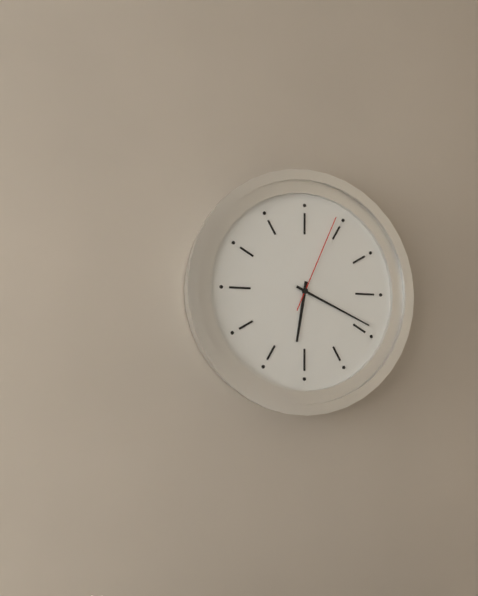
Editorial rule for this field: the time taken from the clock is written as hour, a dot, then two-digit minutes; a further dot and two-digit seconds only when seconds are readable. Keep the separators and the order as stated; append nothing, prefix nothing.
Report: 6.19.04
